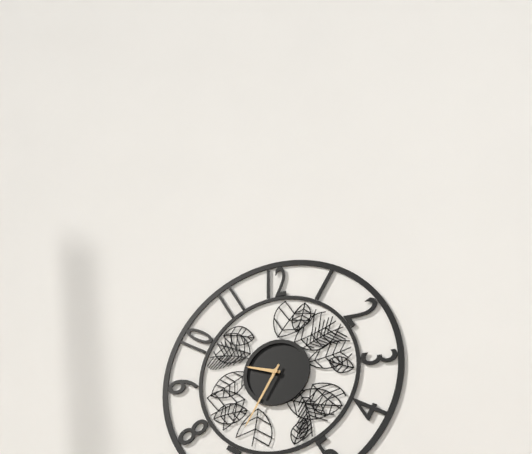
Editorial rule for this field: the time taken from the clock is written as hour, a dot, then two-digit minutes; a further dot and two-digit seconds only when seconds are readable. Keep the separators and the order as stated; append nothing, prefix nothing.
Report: 9.35
